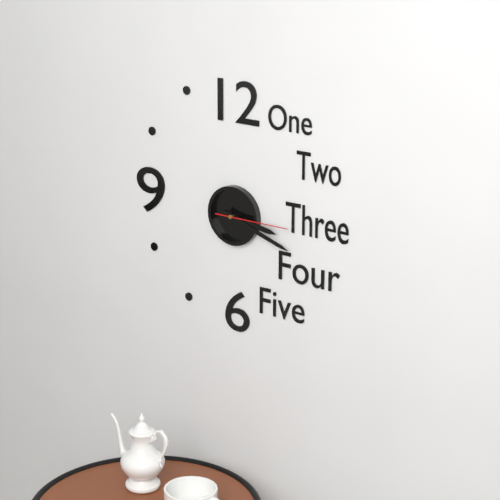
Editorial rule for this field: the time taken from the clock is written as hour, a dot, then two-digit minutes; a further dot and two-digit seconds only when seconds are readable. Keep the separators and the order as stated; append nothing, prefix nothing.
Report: 3.18.15
